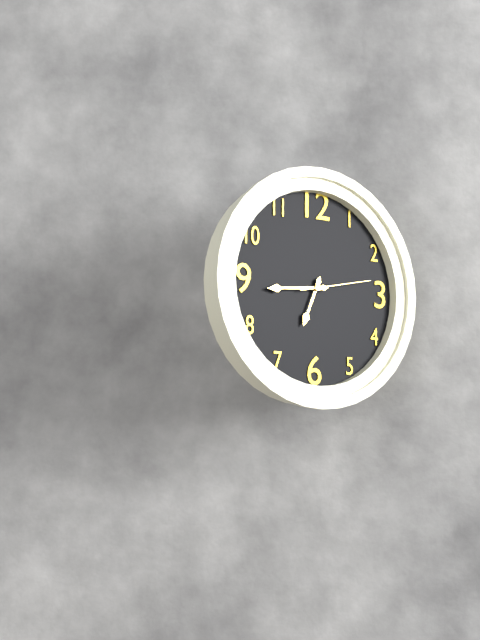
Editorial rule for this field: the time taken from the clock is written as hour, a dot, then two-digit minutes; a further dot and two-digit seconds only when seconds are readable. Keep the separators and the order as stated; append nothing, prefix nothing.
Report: 6.44.13
